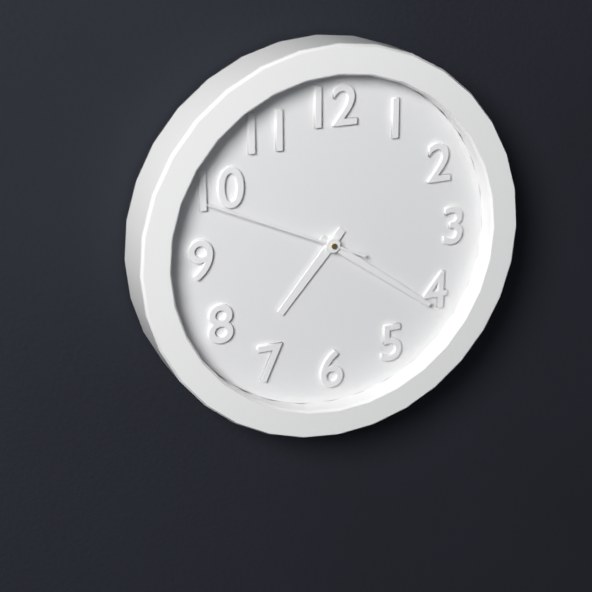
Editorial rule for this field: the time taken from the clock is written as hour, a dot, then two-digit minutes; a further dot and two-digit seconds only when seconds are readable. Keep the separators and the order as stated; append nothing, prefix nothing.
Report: 7.21.49
